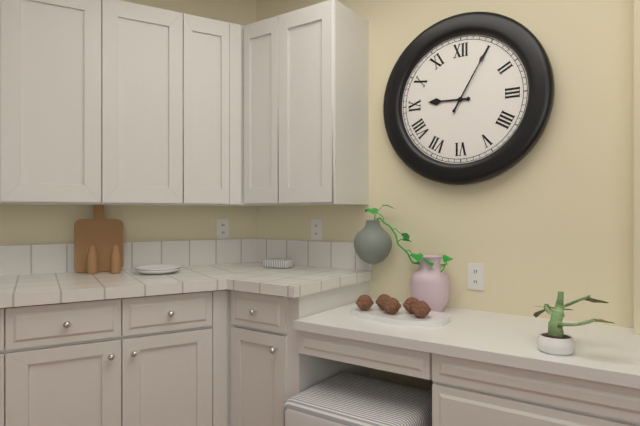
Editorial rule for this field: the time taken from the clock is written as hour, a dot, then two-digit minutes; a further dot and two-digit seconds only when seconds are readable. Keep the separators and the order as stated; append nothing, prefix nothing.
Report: 9.05
